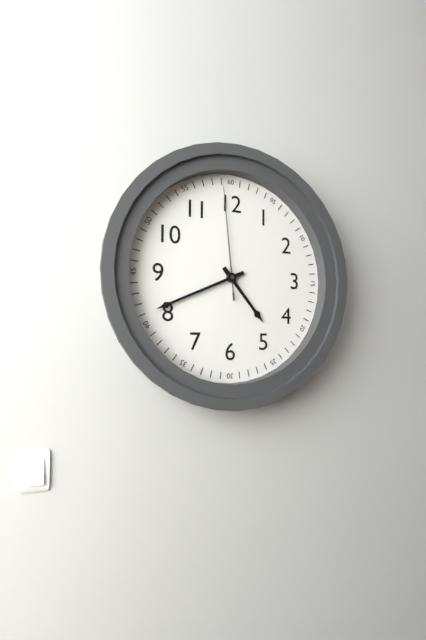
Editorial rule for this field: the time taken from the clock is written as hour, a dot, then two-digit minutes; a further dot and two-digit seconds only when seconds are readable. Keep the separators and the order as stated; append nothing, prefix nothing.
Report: 4.41.59
